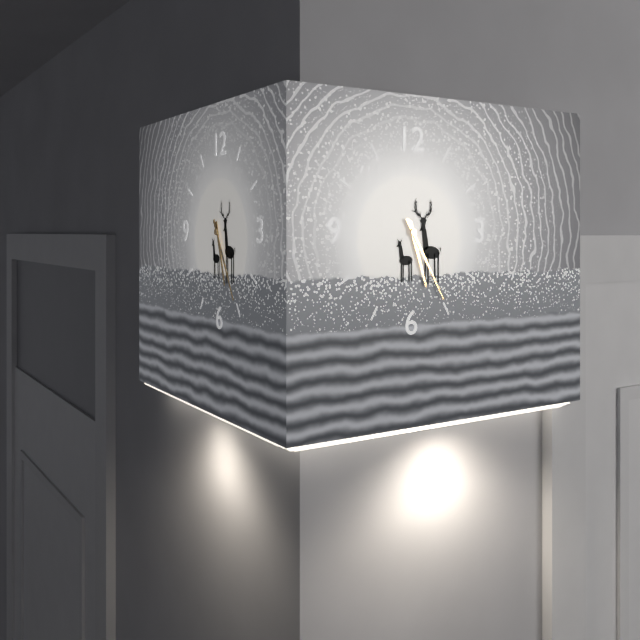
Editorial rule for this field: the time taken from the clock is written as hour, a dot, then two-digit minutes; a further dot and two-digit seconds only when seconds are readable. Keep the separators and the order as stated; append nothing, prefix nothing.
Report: 5.25
